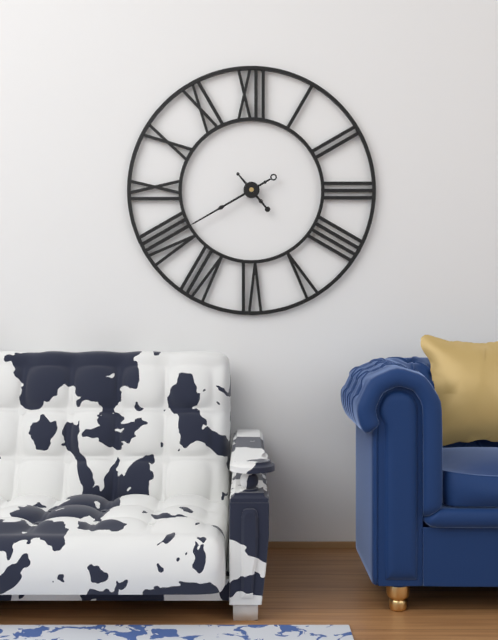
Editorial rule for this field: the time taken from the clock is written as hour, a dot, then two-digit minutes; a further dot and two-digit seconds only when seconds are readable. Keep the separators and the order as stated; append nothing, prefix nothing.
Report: 4.40
